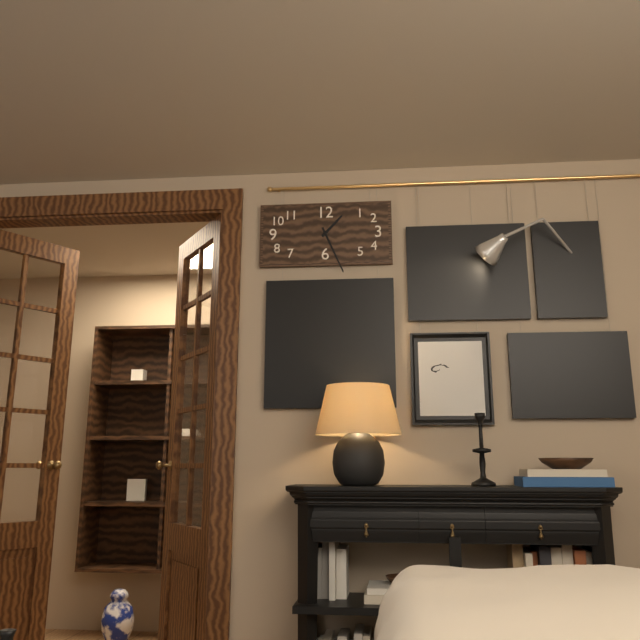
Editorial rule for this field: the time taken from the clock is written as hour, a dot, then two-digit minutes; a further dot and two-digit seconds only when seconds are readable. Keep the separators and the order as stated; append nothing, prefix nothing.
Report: 1.26
